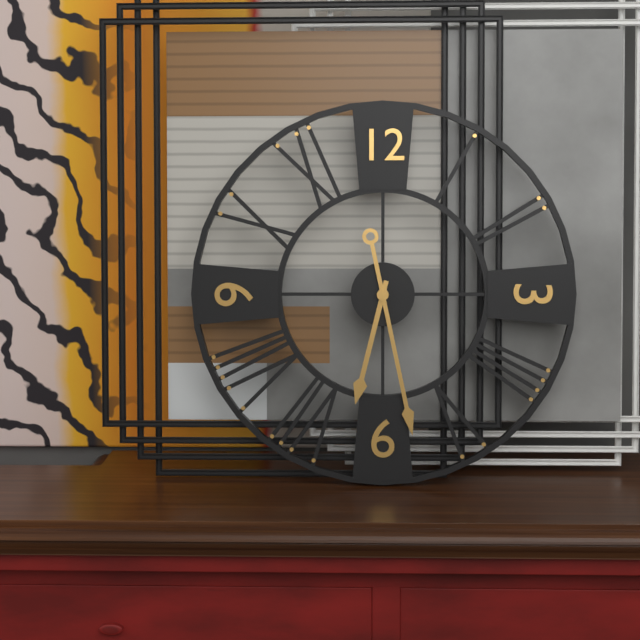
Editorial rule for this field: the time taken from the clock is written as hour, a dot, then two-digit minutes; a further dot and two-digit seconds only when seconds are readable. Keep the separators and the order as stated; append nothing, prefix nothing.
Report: 6.28
